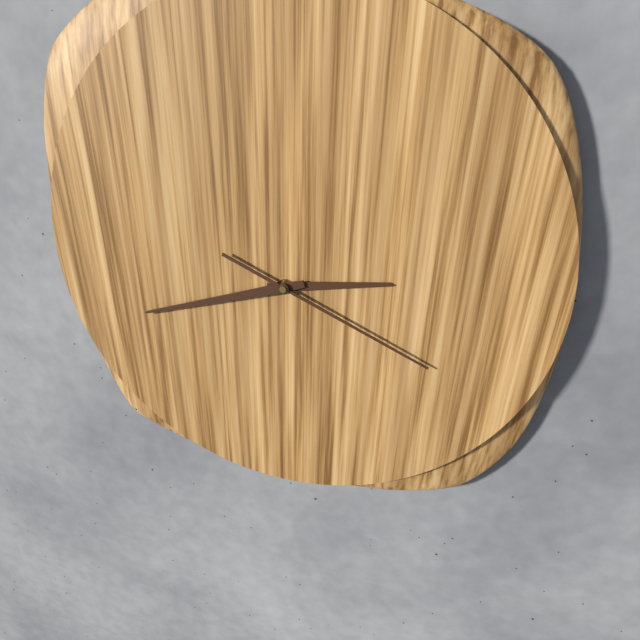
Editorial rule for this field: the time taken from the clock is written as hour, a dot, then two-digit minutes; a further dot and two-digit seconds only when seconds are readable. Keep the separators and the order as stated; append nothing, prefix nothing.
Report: 2.42.19
